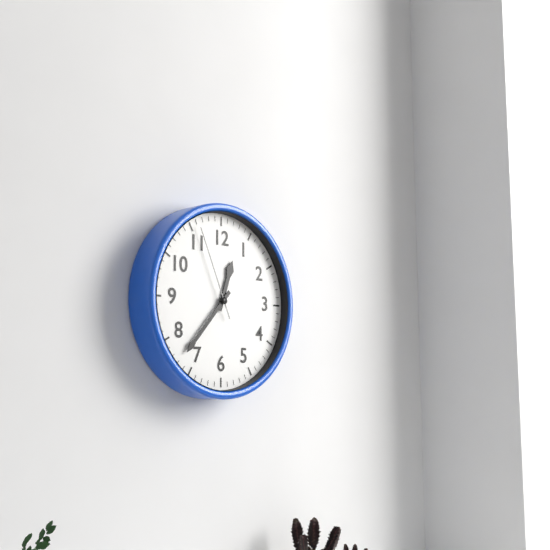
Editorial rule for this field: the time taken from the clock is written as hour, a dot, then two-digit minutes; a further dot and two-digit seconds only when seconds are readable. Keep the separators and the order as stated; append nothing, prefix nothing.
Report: 12.37.56
